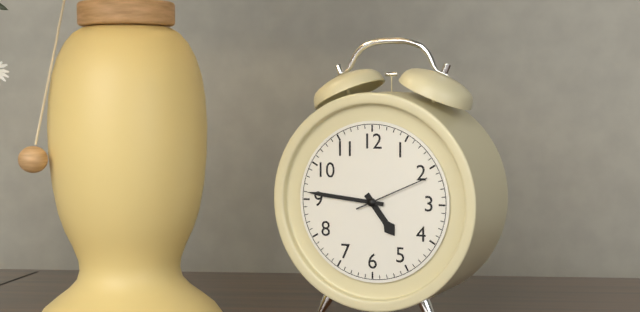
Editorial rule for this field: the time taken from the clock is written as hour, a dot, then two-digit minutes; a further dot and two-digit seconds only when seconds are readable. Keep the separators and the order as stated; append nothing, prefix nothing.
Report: 4.46.11
